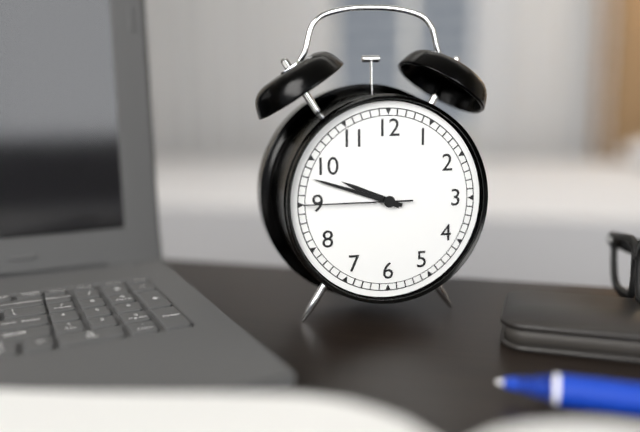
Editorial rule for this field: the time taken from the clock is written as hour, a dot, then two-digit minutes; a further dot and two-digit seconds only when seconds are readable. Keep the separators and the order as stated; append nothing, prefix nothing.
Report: 9.48.45
